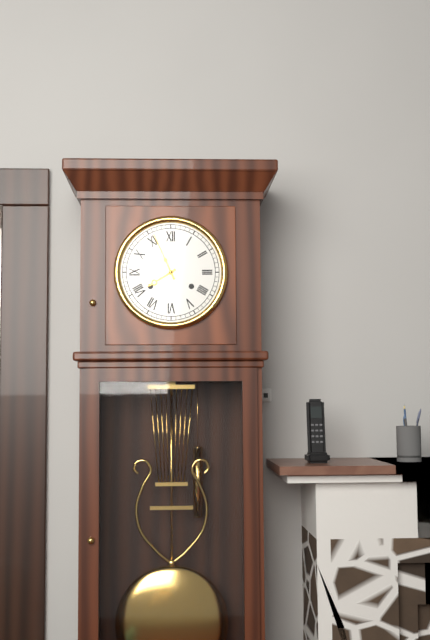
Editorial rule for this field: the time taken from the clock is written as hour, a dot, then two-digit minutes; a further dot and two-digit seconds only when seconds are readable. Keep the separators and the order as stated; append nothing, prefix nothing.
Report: 7.56
